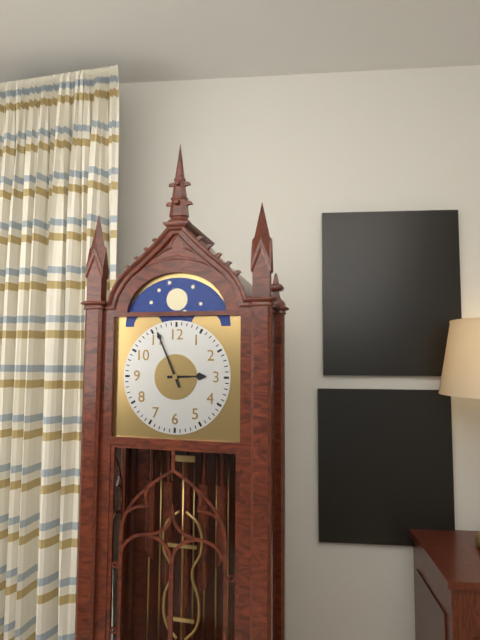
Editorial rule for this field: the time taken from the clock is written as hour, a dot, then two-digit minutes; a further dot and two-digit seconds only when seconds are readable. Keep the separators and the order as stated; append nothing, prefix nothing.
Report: 2.56
